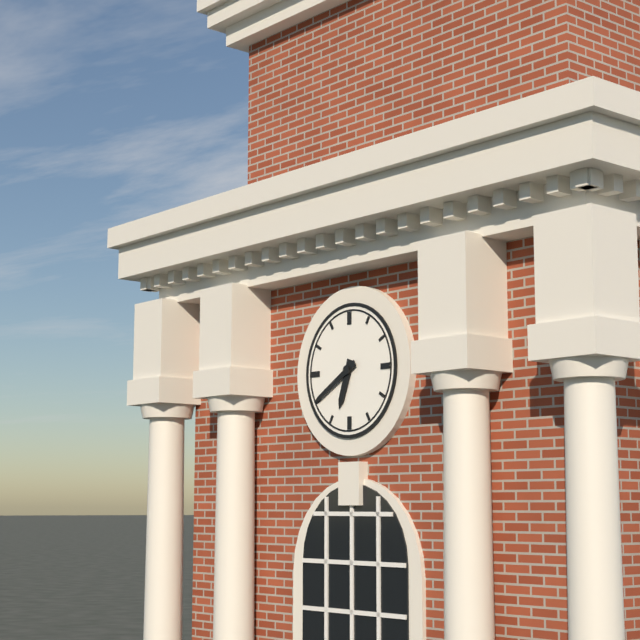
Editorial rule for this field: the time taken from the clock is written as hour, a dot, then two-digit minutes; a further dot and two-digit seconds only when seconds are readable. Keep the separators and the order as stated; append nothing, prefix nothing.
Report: 6.40
